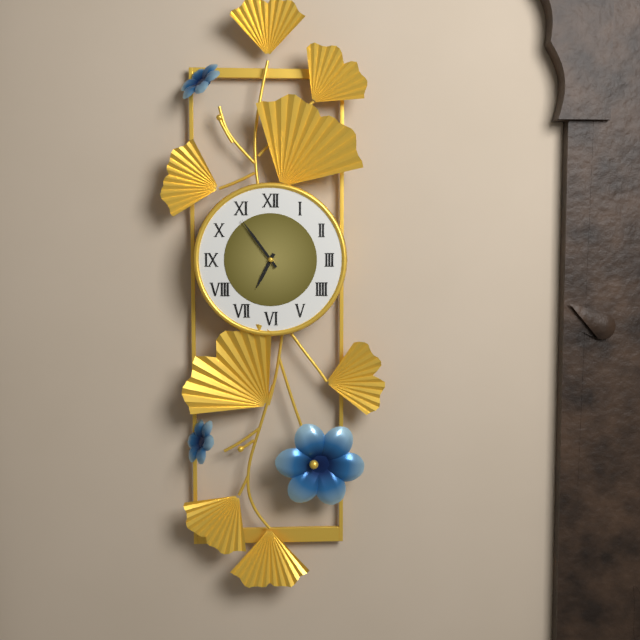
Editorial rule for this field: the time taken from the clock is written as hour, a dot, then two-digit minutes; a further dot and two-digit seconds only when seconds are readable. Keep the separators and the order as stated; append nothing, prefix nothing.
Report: 6.54
